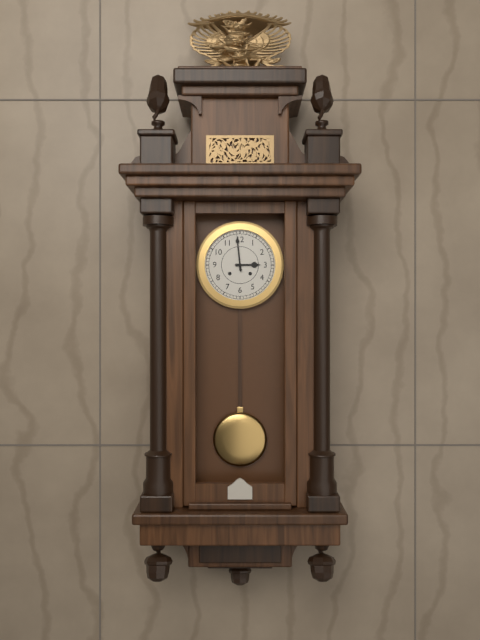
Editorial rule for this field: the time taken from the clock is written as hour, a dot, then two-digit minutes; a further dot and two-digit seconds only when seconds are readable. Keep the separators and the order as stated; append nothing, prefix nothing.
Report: 2.59
